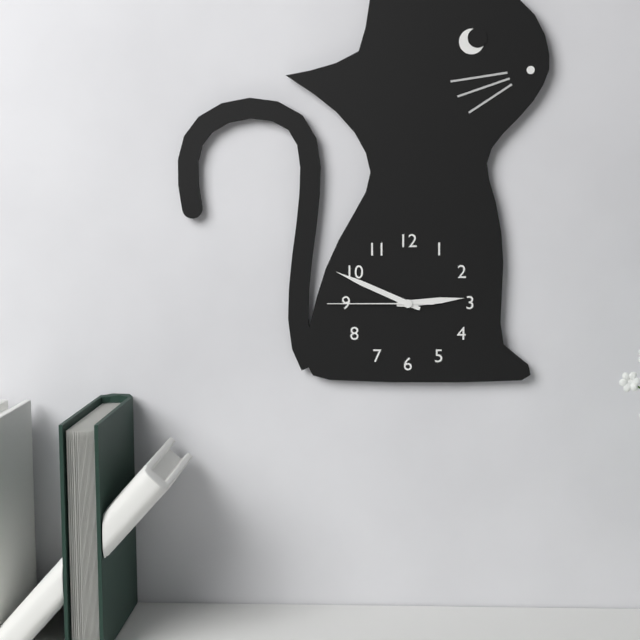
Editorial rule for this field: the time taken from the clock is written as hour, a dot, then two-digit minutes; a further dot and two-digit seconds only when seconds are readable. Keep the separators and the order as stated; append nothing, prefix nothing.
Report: 2.49.45
